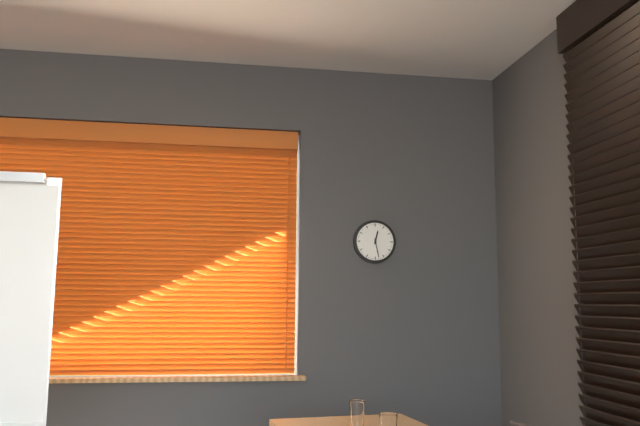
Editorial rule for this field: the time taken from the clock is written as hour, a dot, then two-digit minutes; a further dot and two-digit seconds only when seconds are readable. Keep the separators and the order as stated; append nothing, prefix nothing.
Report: 12.28
